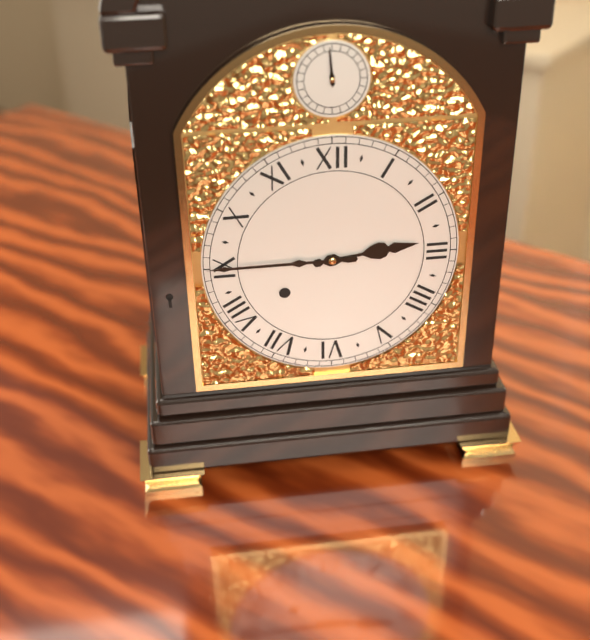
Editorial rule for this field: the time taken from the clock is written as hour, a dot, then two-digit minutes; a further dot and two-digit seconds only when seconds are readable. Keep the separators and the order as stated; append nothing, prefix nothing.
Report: 2.45
